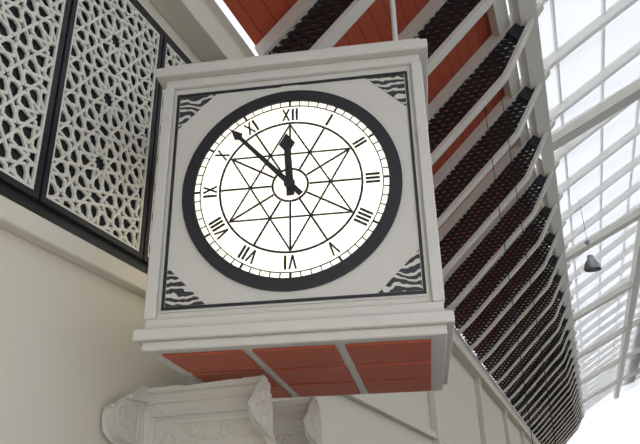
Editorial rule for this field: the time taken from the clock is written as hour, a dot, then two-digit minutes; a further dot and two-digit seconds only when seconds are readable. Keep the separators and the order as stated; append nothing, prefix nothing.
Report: 11.53
